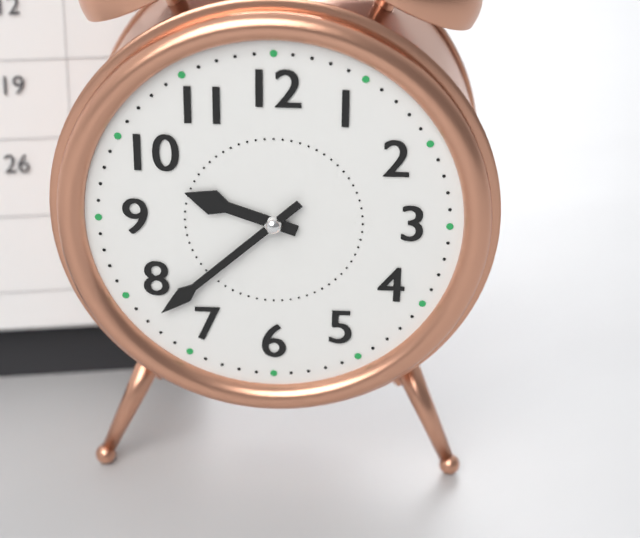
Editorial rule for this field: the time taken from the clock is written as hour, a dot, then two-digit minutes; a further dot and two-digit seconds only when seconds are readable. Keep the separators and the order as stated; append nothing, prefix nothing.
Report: 9.38
